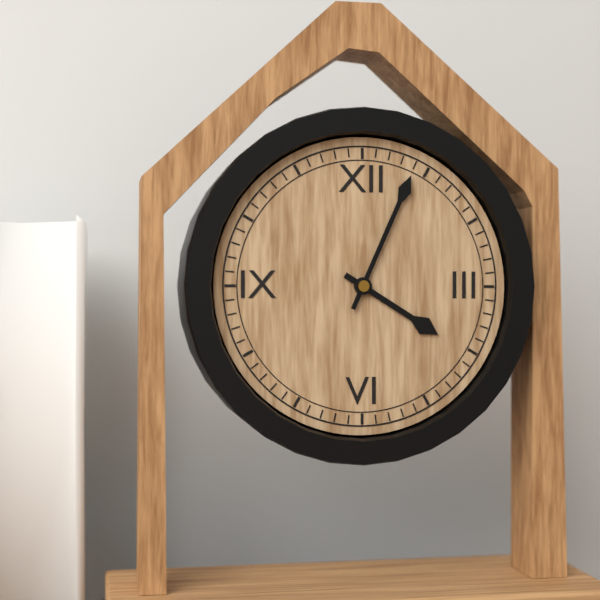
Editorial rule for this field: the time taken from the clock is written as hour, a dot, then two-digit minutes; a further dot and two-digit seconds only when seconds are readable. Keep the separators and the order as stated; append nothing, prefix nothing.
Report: 4.04
